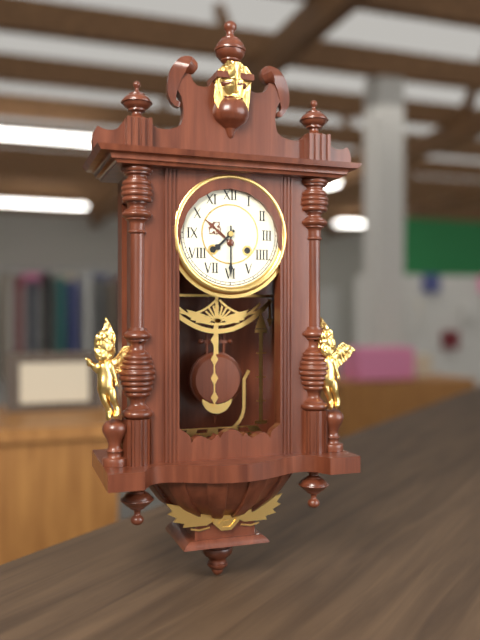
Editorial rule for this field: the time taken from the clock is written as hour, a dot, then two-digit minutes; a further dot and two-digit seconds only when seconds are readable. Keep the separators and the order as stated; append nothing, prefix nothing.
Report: 7.30
